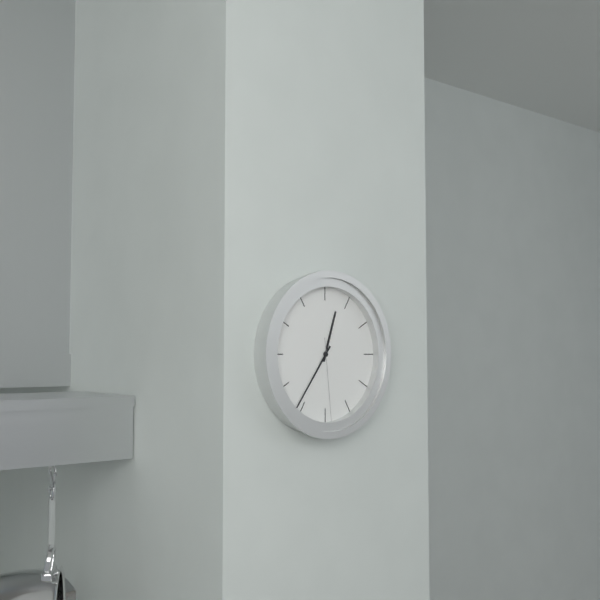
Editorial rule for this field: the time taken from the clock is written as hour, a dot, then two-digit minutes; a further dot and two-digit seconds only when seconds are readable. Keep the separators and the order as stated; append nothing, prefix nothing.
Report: 12.36.29
